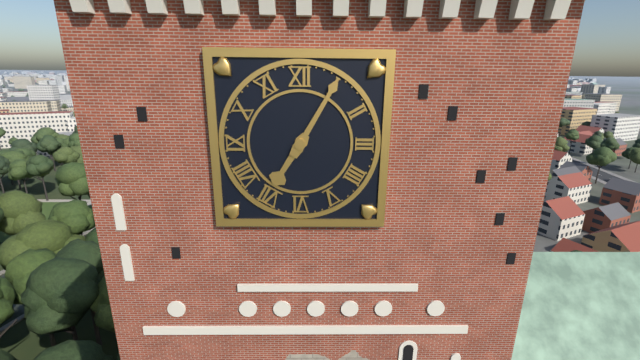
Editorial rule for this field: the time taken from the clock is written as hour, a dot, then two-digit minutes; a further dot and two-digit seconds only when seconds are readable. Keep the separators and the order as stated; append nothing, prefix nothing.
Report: 7.05
